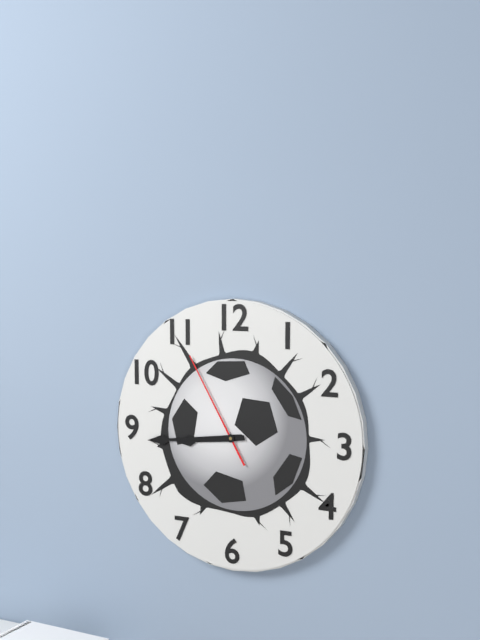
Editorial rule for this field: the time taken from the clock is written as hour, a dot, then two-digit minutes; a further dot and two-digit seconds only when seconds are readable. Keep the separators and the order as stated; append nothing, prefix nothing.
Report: 8.44.55
